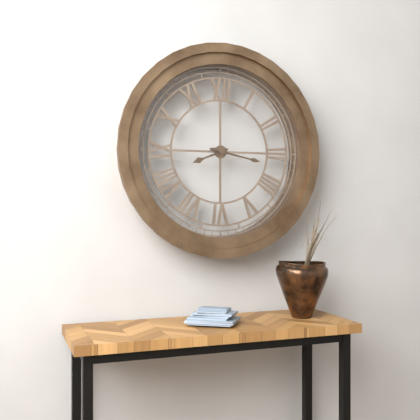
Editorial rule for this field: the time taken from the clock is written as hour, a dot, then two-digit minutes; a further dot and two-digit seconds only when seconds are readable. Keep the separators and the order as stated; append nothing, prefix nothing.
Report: 8.17
